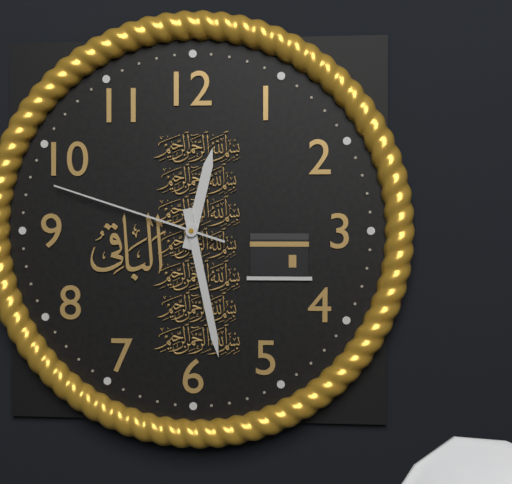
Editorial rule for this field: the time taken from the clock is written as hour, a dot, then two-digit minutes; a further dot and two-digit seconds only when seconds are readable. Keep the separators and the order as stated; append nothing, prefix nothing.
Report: 12.28.48
